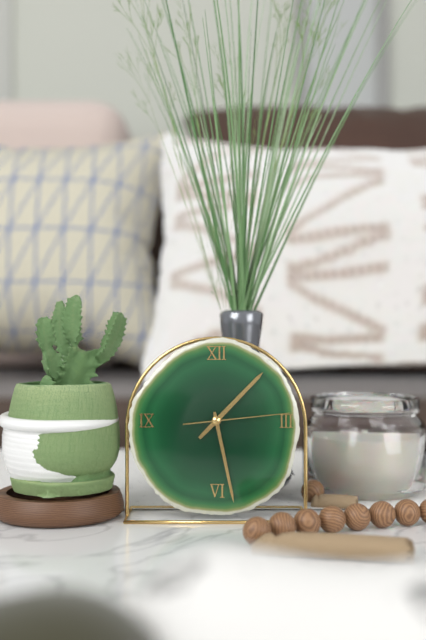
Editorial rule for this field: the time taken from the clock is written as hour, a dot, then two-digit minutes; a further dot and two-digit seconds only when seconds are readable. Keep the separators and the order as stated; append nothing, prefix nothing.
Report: 1.28.14
